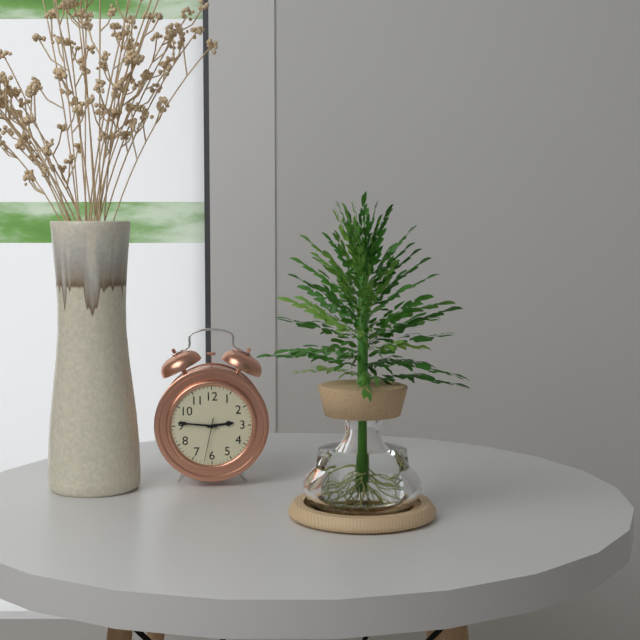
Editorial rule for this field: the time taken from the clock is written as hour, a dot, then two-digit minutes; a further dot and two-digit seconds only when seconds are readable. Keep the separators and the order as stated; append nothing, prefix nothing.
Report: 2.46
